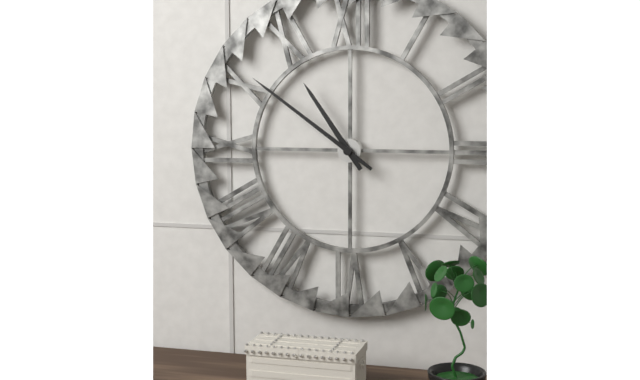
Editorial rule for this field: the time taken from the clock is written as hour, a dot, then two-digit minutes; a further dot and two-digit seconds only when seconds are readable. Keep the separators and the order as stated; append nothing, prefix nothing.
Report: 10.51
